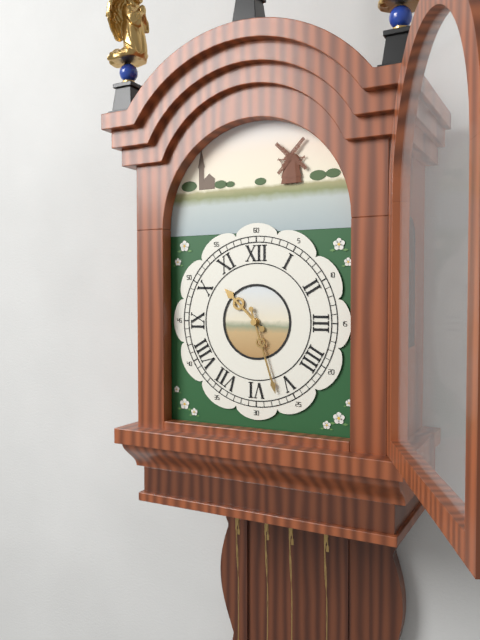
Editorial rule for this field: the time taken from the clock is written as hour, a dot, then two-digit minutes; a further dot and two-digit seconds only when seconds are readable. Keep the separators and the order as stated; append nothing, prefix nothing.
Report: 10.27
